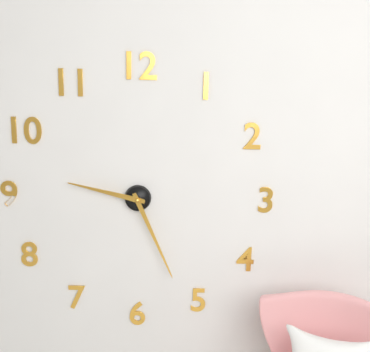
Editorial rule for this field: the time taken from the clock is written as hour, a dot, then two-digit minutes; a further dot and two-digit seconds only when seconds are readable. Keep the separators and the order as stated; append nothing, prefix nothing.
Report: 9.26
